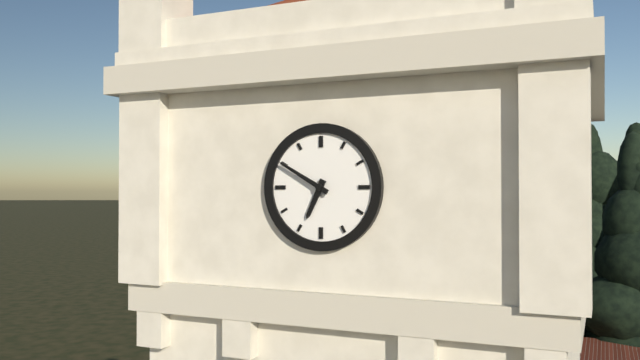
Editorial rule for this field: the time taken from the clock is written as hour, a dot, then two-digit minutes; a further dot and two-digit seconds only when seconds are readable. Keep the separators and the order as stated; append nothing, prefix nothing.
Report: 6.50
